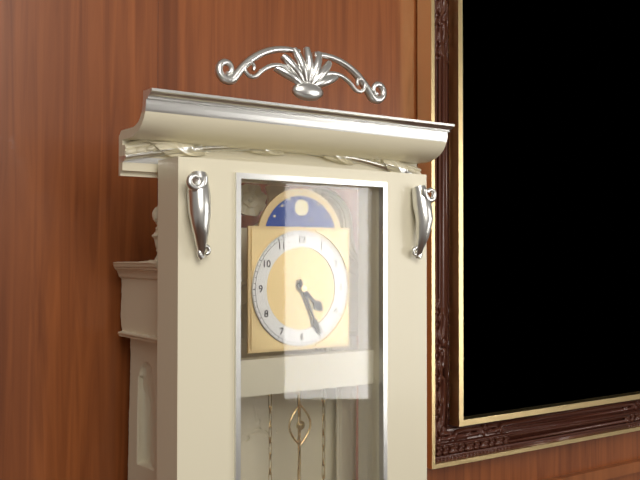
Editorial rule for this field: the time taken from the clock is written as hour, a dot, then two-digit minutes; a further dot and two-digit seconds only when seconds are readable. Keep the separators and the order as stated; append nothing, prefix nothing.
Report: 4.26
